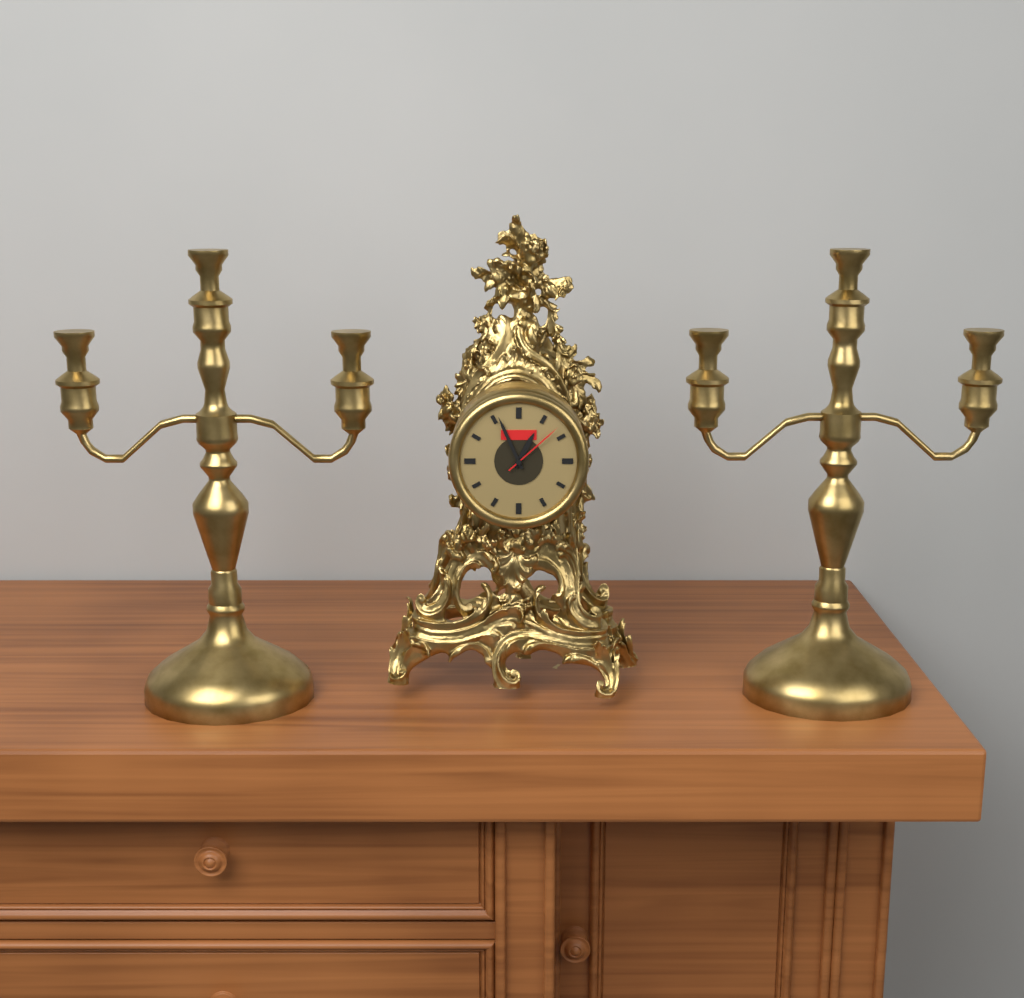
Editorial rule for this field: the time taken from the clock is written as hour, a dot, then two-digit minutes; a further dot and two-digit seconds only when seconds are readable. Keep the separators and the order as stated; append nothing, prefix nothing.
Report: 12.56.08
